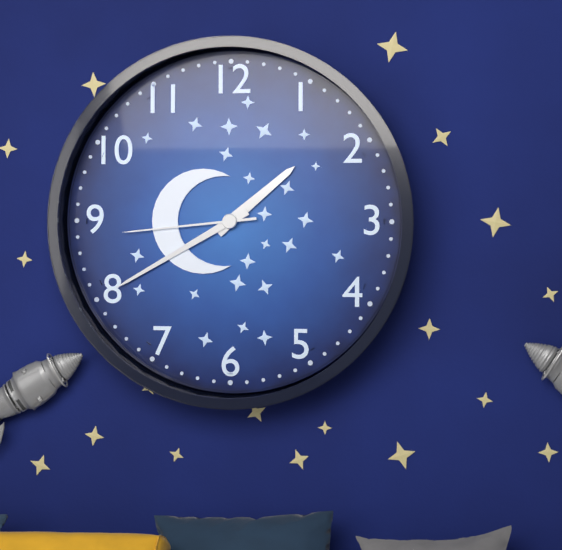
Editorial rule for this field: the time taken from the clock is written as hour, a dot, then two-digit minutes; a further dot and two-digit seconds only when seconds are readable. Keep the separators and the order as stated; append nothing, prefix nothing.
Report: 1.40.44
